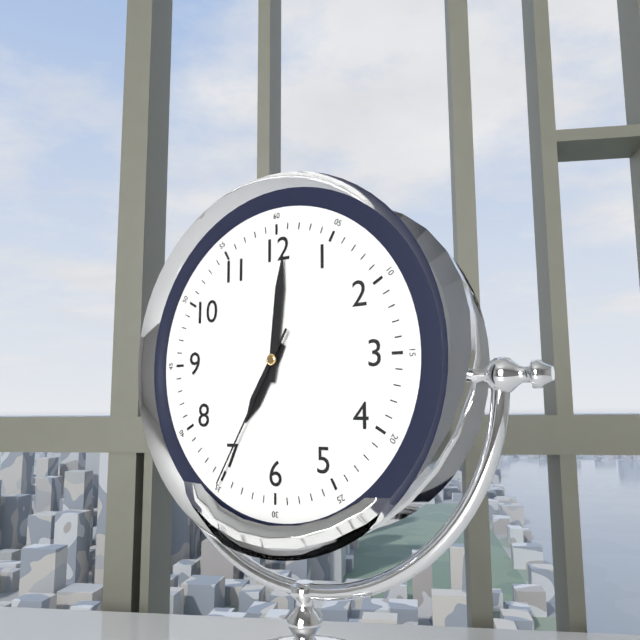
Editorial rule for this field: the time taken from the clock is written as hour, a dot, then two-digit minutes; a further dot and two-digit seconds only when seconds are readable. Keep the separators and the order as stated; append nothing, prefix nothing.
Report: 7.01.35
